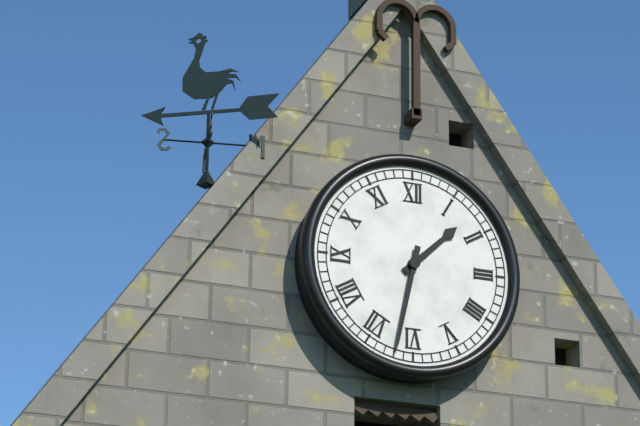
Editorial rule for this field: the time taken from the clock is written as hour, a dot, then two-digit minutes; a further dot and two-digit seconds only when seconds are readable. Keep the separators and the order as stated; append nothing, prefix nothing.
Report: 1.32
